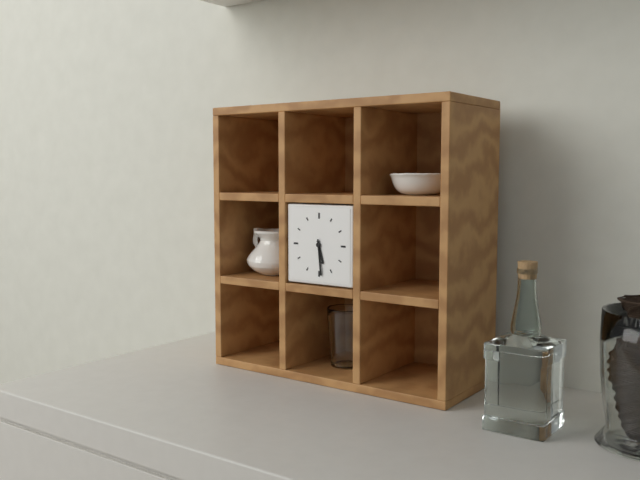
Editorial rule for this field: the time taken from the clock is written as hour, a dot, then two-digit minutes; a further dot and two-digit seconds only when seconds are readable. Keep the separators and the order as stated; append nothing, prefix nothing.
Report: 5.29
